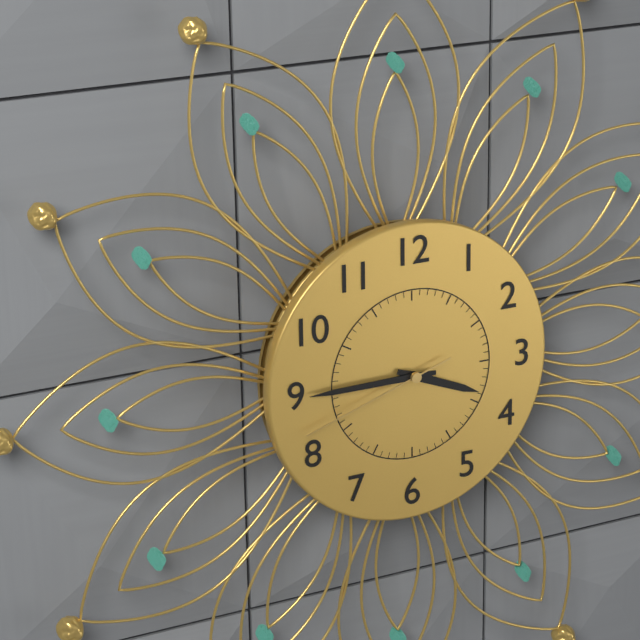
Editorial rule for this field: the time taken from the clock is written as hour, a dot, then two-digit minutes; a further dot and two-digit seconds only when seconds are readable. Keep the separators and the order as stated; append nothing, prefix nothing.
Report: 3.45.42
